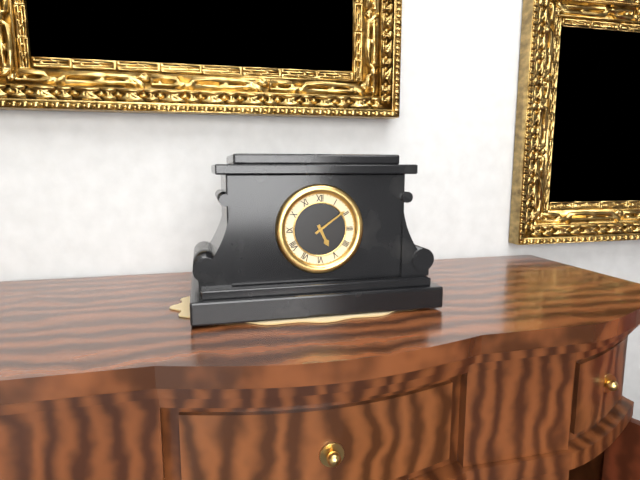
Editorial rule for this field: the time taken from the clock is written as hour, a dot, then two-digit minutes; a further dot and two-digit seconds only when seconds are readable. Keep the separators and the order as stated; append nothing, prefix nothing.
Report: 5.09
